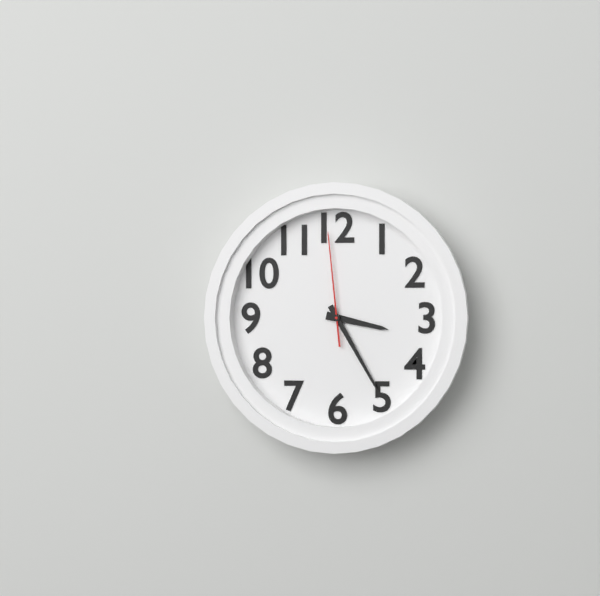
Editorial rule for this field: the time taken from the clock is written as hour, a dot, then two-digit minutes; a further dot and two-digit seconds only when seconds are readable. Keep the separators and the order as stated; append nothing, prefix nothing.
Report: 3.25.59
